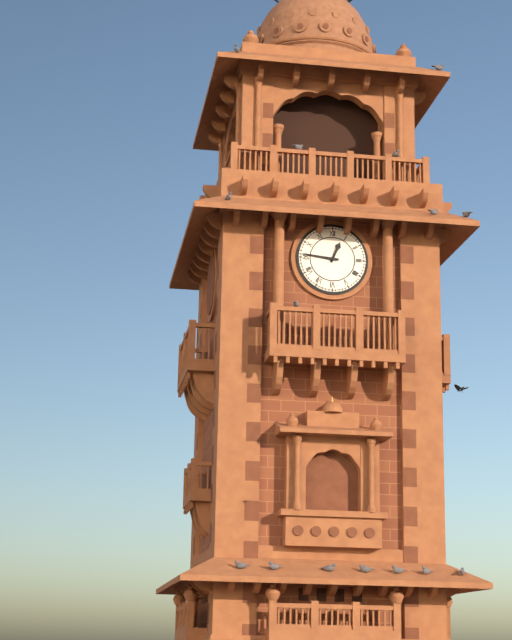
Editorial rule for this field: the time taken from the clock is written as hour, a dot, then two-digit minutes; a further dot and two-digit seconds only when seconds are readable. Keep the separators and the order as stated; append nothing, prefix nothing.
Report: 12.46
